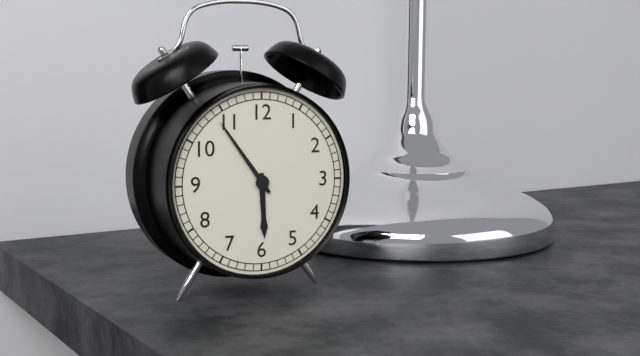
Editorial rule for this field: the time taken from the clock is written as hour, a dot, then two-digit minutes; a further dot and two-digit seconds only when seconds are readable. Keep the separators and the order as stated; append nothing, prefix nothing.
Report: 5.54
